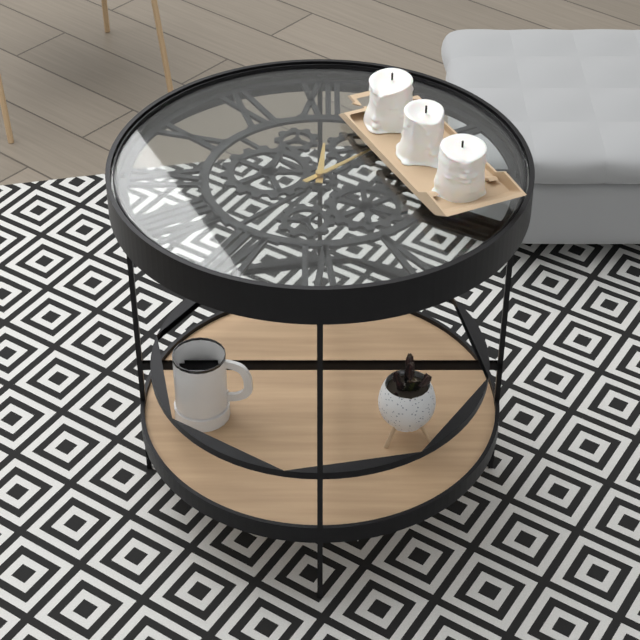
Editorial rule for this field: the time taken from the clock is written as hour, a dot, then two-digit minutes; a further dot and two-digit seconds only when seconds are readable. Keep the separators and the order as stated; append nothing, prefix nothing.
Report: 12.08
